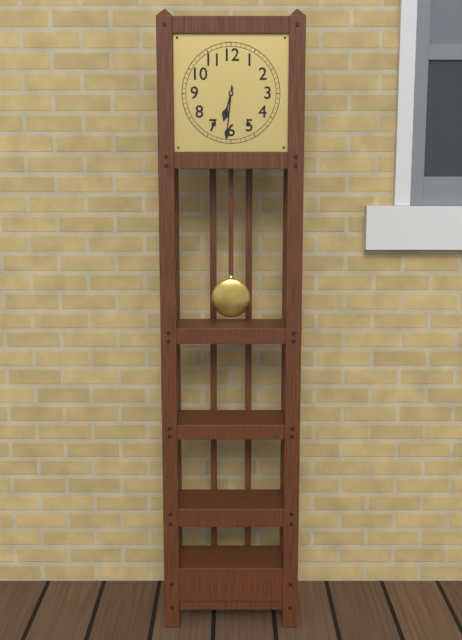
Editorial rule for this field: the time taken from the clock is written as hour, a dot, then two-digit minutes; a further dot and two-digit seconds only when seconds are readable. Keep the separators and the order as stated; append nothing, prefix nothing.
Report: 6.31
